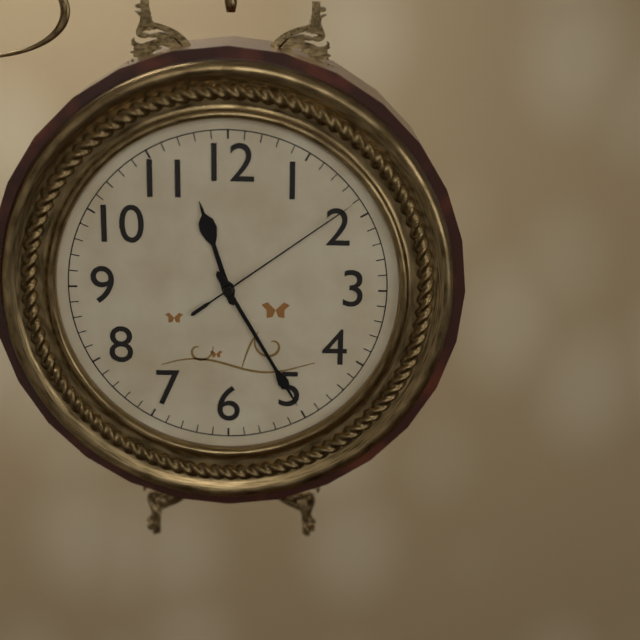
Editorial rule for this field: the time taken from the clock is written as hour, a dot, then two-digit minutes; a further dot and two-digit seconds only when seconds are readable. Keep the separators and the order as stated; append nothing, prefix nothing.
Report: 11.25.09
